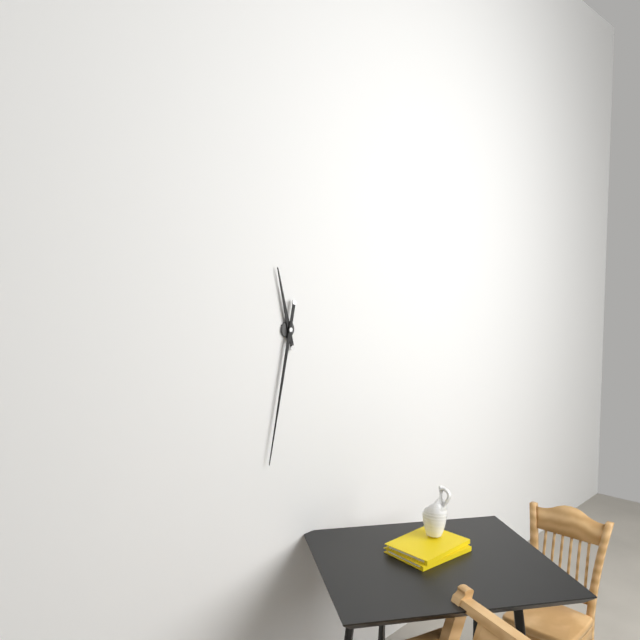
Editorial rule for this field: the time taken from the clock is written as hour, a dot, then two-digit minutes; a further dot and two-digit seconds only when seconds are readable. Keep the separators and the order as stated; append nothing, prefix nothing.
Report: 11.32
